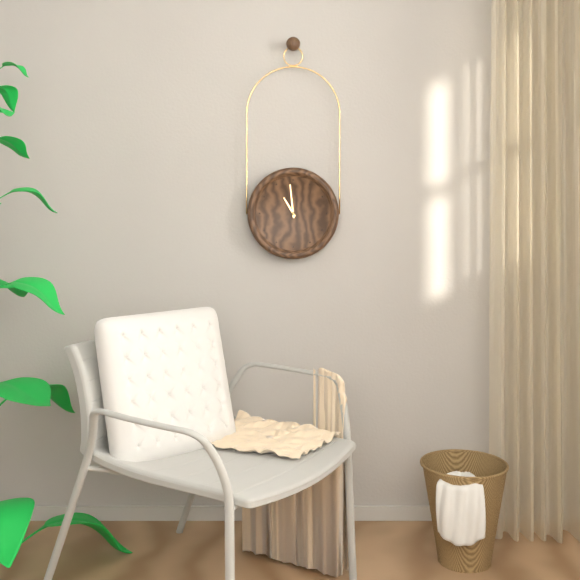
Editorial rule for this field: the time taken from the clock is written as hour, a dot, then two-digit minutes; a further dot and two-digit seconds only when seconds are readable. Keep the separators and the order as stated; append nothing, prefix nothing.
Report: 10.59
